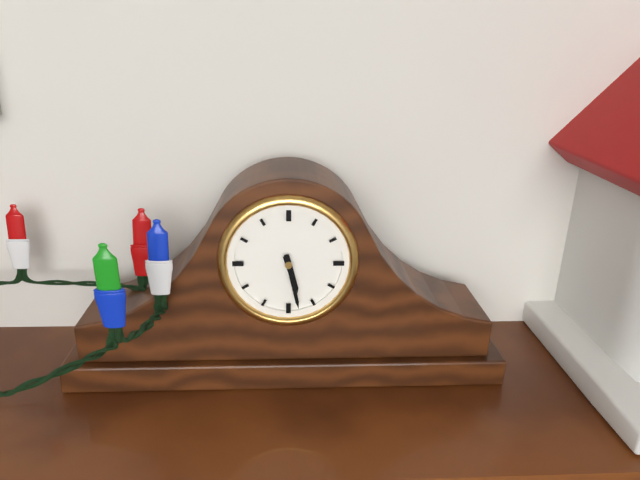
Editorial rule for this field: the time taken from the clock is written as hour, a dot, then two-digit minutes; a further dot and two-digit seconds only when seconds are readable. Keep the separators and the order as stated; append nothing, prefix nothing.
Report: 5.28
